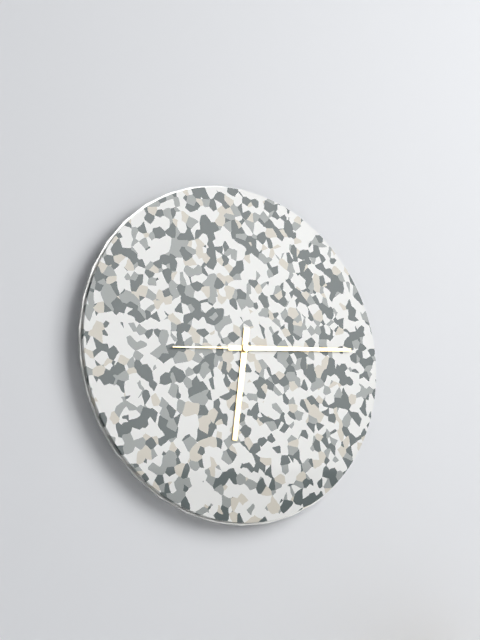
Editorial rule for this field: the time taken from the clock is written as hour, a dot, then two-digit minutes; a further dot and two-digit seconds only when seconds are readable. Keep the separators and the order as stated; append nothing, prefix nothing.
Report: 6.14.44
